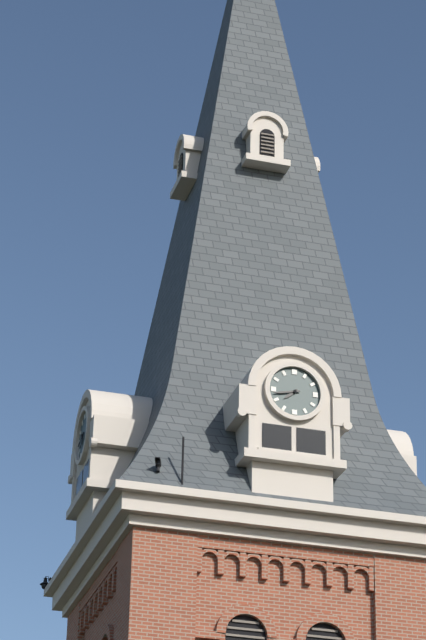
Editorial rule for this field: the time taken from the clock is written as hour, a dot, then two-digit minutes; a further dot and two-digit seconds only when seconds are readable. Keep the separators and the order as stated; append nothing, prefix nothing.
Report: 7.43
